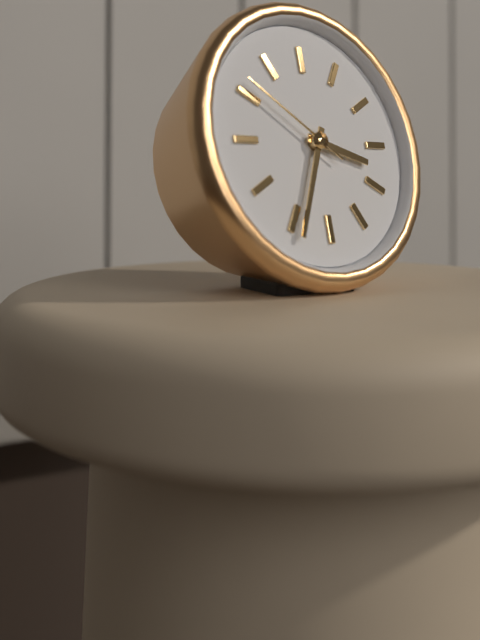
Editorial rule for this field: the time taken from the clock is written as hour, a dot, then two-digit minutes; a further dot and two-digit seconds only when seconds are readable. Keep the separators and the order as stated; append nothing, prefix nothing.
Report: 3.34.51
